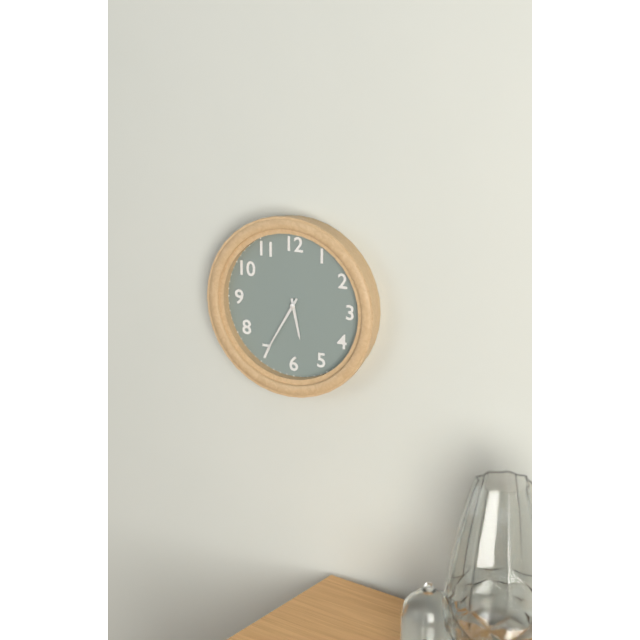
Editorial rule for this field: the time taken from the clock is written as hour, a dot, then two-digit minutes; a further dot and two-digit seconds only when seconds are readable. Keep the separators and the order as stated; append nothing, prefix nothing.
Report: 5.35
